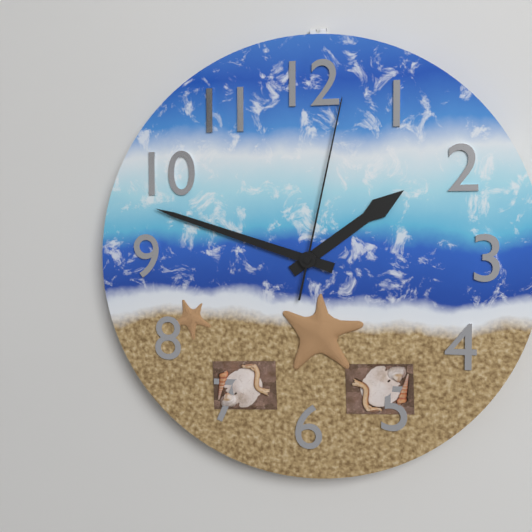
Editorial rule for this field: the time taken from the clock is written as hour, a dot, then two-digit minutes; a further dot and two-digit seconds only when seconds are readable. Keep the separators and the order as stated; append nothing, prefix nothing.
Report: 1.48.02
